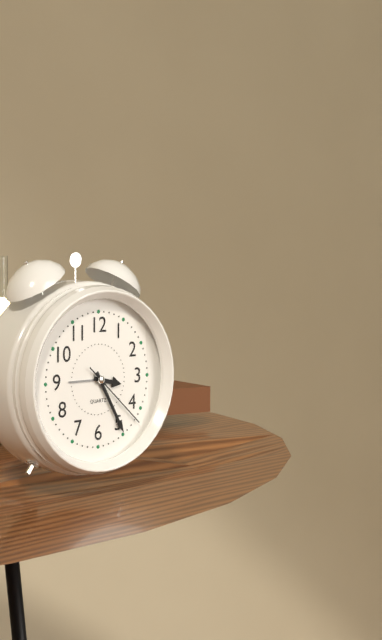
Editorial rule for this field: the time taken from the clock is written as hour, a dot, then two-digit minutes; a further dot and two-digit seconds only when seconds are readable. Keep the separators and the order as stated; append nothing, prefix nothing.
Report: 3.25.22
